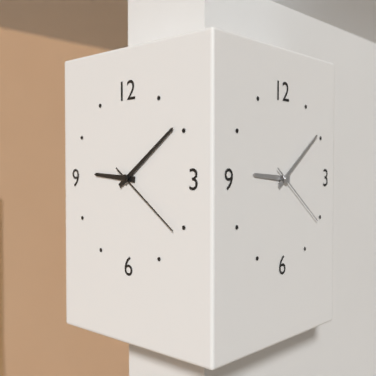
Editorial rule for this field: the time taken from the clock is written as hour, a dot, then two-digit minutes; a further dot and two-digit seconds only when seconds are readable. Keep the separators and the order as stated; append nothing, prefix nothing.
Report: 9.09.21
